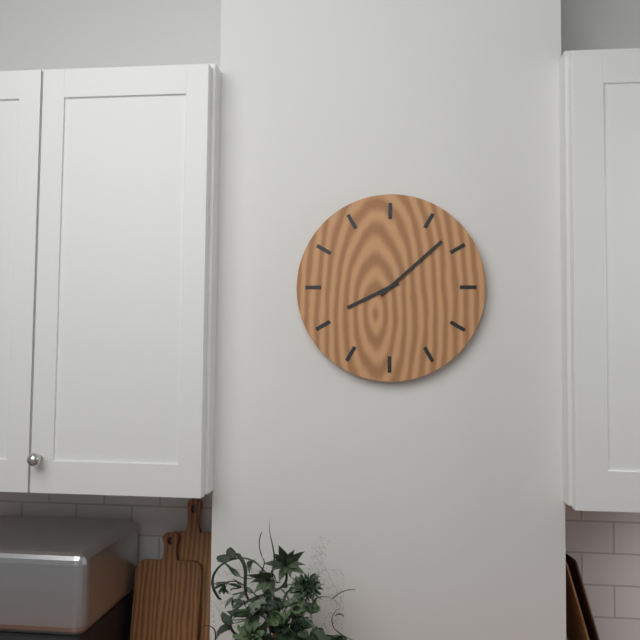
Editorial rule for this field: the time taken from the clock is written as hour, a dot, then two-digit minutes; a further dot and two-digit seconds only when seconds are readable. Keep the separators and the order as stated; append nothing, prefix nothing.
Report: 8.08
